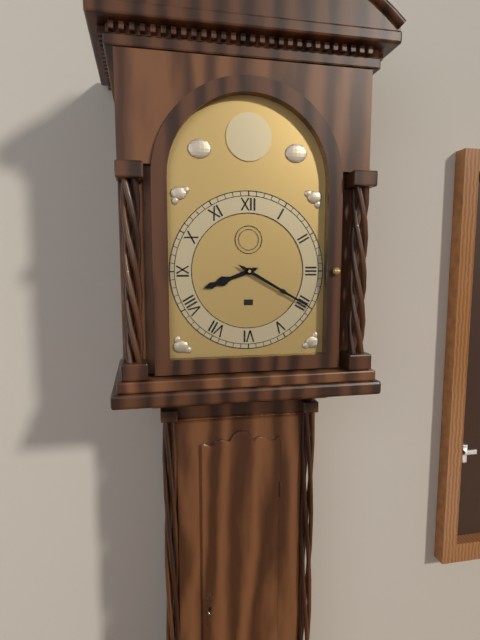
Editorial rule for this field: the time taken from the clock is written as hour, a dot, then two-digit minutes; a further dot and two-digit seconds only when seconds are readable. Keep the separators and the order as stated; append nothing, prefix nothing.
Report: 8.20
